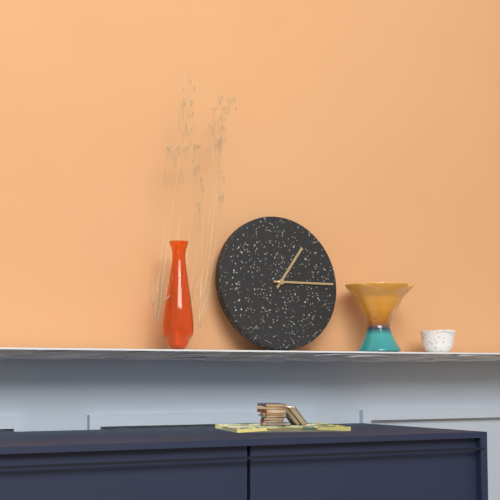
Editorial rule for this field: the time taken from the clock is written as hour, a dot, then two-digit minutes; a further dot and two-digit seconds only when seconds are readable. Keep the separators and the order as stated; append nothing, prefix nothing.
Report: 1.15
